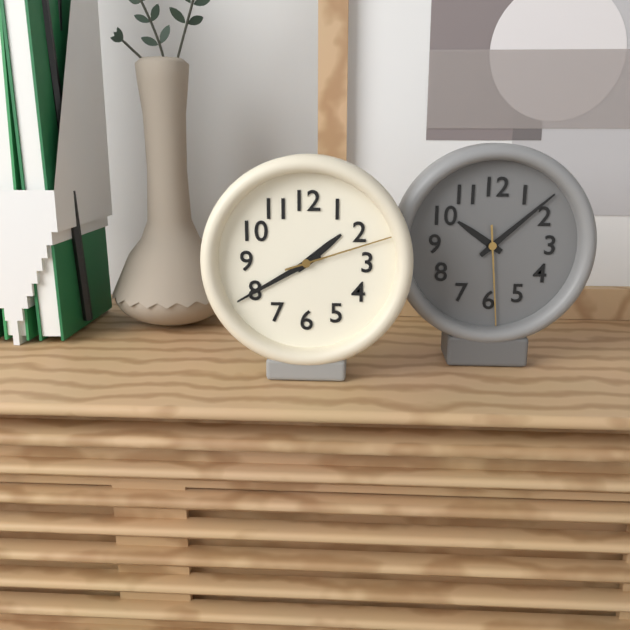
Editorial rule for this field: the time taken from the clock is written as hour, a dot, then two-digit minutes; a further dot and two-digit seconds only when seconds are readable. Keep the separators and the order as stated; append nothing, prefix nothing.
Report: 1.40.12
